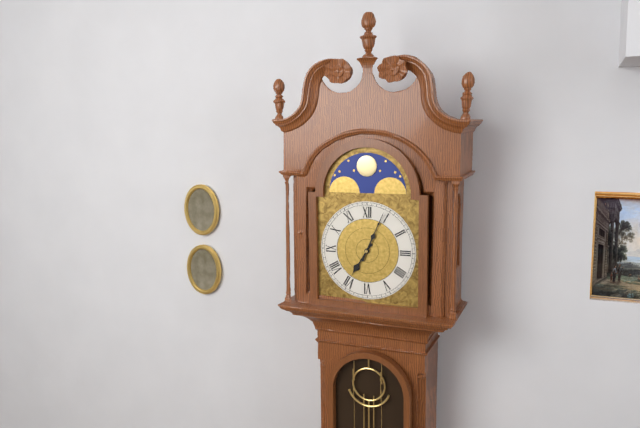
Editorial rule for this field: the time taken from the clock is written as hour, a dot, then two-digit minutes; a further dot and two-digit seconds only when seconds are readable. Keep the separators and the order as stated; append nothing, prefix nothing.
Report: 7.04
